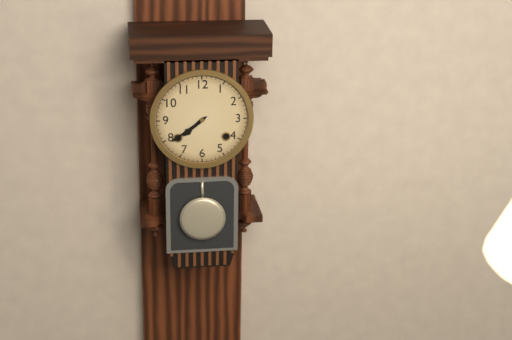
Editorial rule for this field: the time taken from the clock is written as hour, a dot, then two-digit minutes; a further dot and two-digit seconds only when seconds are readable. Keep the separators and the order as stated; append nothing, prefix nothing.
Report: 7.39
